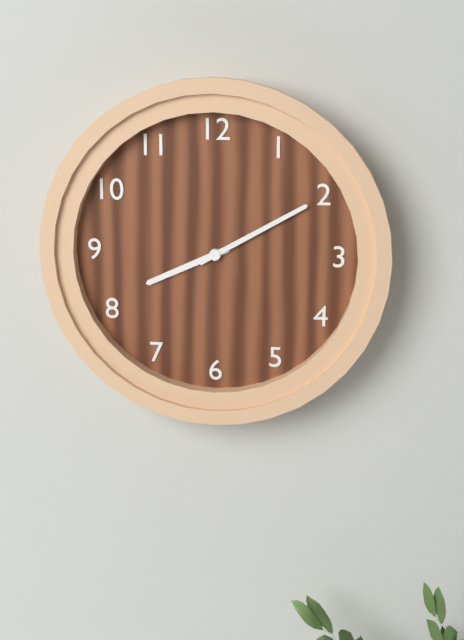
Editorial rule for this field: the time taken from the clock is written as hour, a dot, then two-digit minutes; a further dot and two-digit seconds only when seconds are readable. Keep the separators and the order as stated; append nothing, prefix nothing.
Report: 8.10
